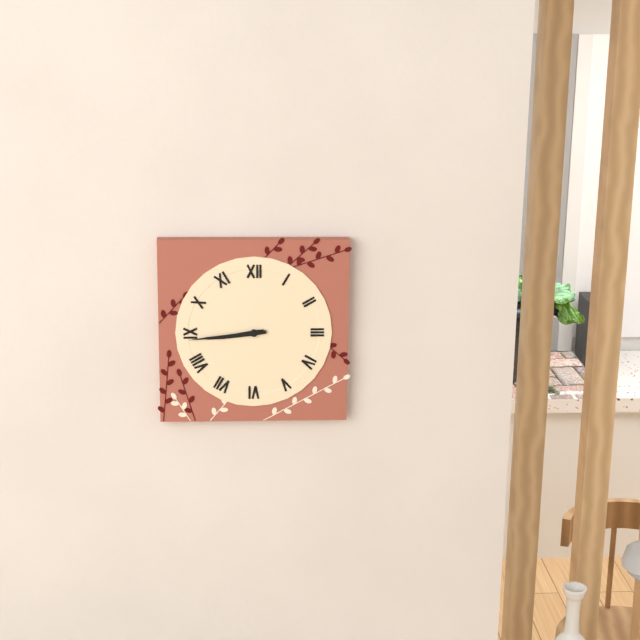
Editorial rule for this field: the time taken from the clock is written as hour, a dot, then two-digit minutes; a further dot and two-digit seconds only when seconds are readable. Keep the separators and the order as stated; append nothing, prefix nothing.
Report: 8.44
